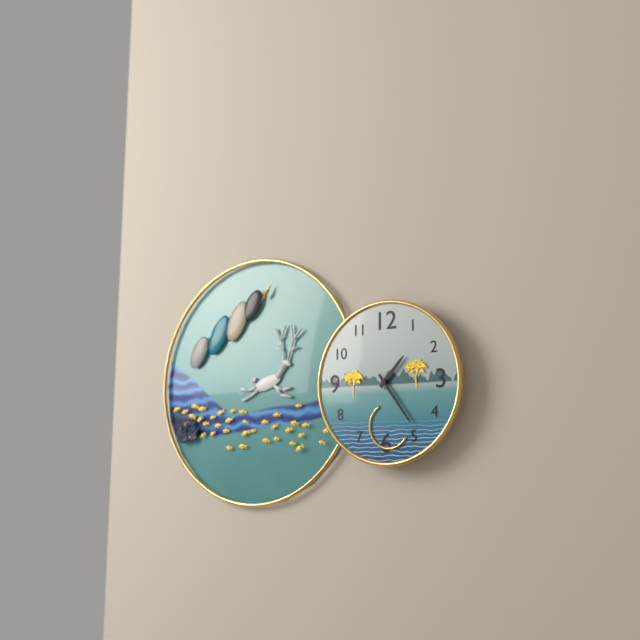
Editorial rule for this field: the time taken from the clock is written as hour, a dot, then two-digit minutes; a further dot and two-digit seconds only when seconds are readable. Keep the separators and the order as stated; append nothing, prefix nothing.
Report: 1.24
